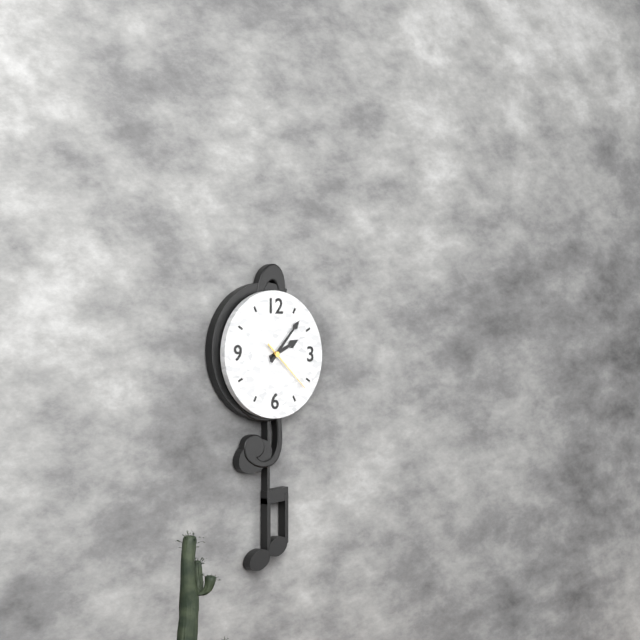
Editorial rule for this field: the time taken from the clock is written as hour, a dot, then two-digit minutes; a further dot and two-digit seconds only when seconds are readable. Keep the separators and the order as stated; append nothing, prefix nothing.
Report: 2.07.22
